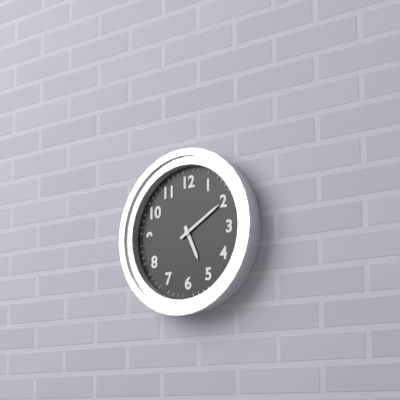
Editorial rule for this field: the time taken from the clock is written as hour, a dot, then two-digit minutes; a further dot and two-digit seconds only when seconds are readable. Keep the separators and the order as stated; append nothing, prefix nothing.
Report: 5.10
